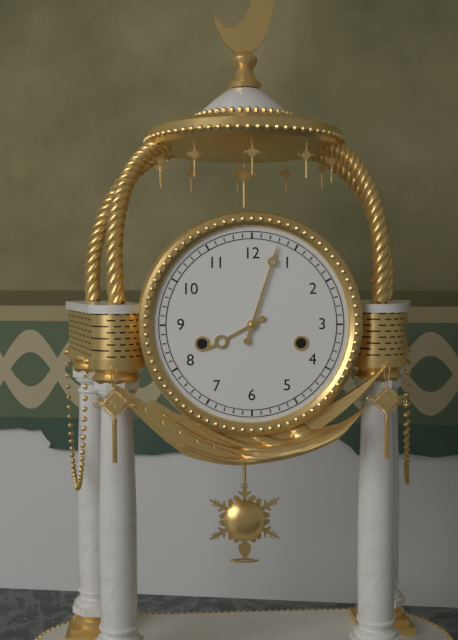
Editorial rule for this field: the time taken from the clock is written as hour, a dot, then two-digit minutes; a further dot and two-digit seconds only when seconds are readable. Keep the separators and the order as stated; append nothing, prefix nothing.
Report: 8.03
